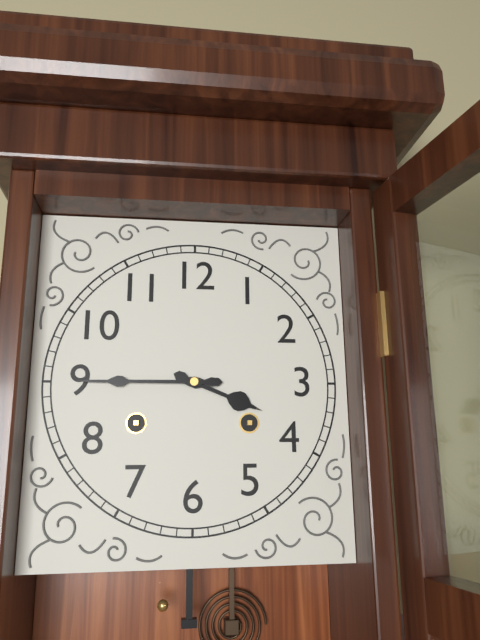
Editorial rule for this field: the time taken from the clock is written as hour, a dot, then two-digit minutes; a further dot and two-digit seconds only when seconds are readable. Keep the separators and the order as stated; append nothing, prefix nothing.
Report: 3.45
